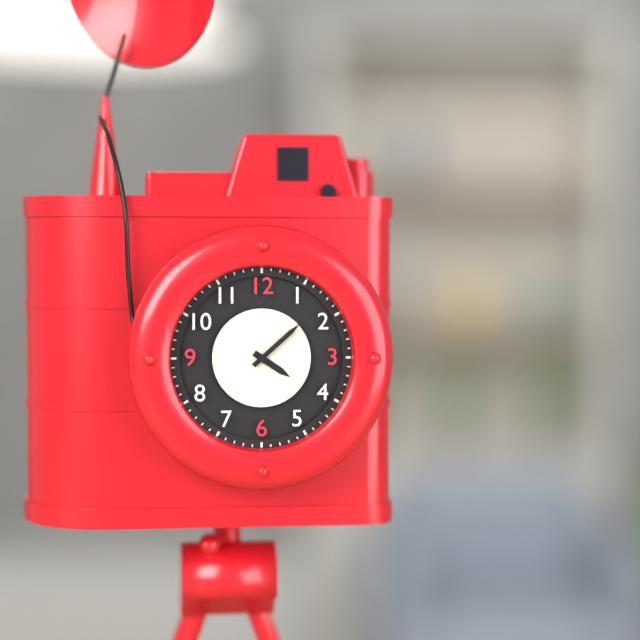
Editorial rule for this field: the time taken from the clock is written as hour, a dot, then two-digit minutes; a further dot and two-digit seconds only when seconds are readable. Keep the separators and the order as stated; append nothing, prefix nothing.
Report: 4.08
